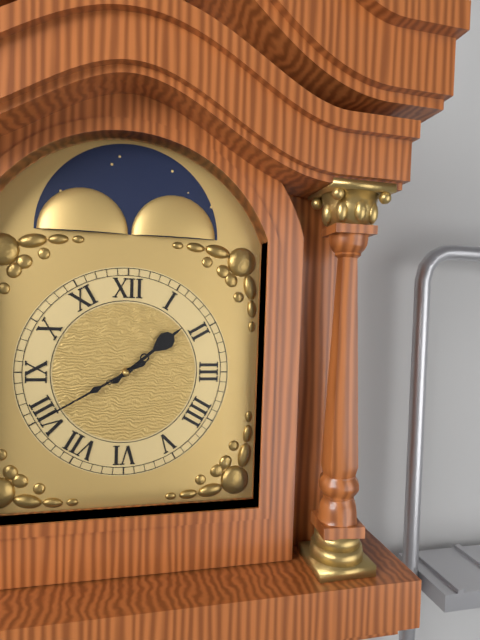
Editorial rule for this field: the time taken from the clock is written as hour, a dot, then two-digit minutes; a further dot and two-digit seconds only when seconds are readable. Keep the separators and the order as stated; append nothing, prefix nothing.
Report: 1.40
